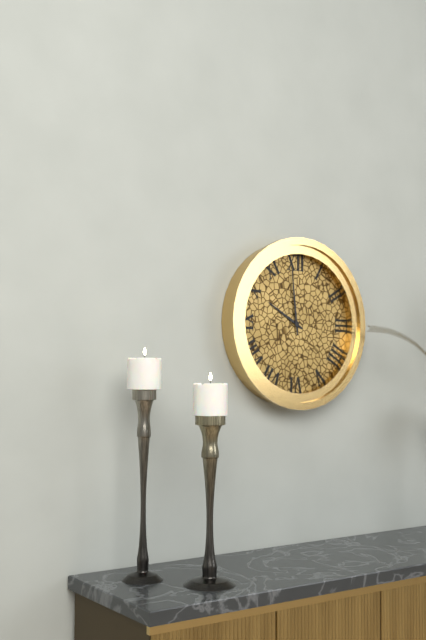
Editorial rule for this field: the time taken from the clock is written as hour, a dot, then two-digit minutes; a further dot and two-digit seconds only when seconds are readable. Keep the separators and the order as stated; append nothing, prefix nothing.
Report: 9.59
